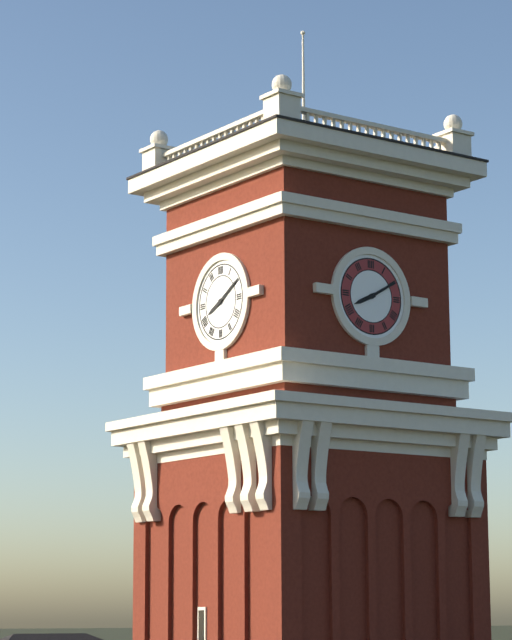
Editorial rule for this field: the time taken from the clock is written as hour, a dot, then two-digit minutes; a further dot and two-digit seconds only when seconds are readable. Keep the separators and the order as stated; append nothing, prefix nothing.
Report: 8.10
